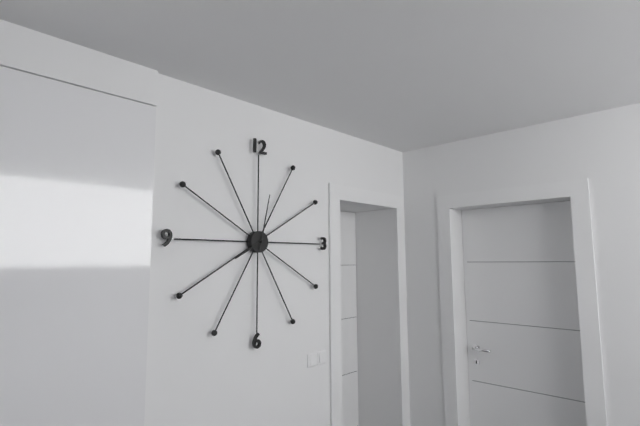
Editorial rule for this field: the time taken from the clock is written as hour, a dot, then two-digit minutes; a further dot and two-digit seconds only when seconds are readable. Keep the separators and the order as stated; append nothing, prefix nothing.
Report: 8.02
